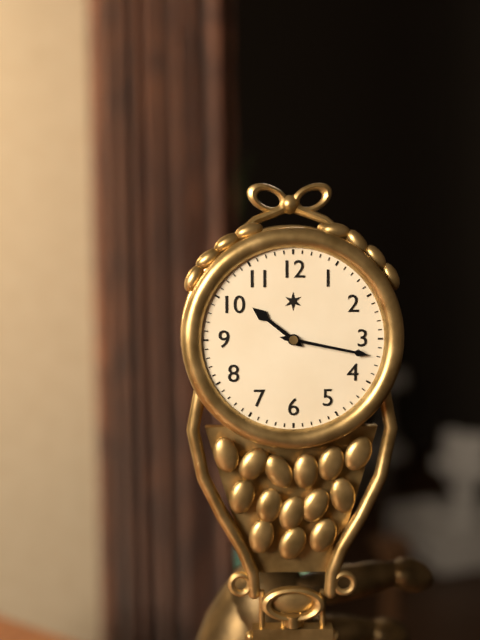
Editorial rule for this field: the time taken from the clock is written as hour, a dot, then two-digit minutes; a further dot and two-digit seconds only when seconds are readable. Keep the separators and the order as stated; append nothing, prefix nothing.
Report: 10.17
